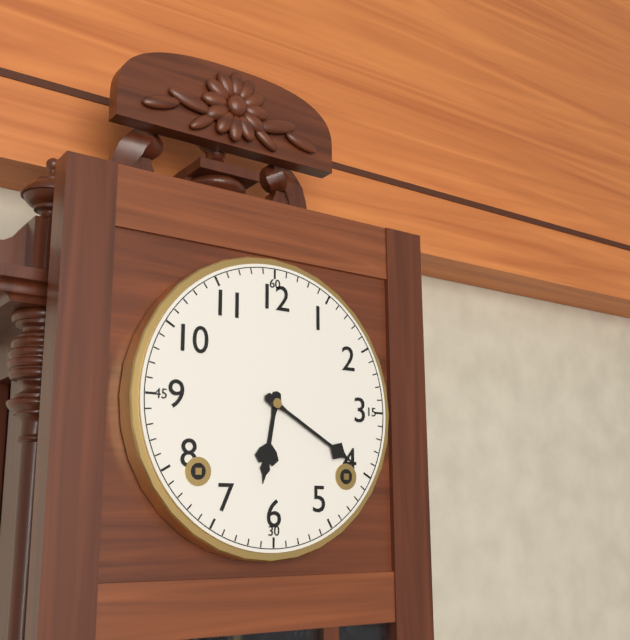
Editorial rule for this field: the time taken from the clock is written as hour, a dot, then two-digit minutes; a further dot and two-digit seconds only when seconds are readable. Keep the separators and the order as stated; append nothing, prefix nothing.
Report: 6.20
